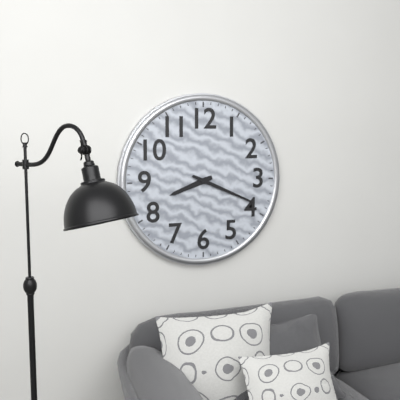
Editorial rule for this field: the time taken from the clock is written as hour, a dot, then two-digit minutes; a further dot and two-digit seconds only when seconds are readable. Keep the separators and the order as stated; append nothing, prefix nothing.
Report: 8.19
